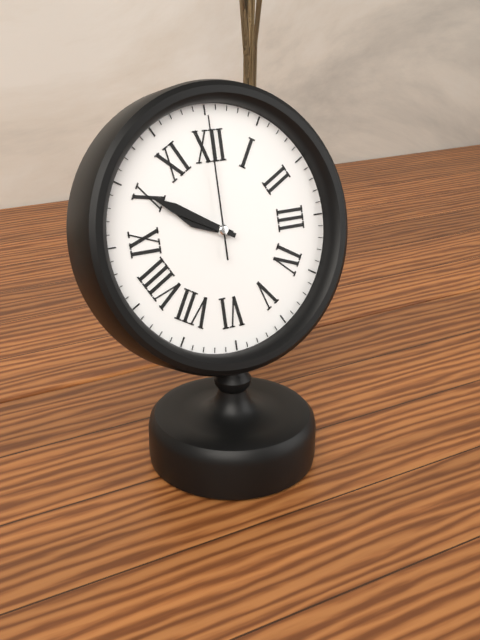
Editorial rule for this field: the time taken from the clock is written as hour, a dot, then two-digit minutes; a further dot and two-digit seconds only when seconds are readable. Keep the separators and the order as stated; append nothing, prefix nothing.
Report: 9.50.00
